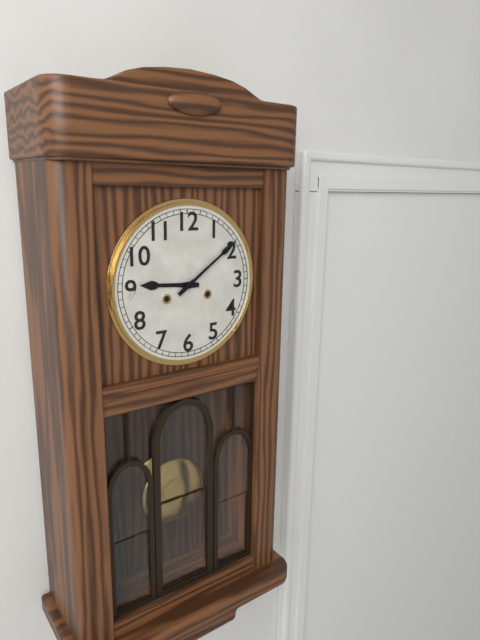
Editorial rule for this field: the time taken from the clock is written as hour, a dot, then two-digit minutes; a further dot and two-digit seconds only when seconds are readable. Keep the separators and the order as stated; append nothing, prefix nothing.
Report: 9.09
